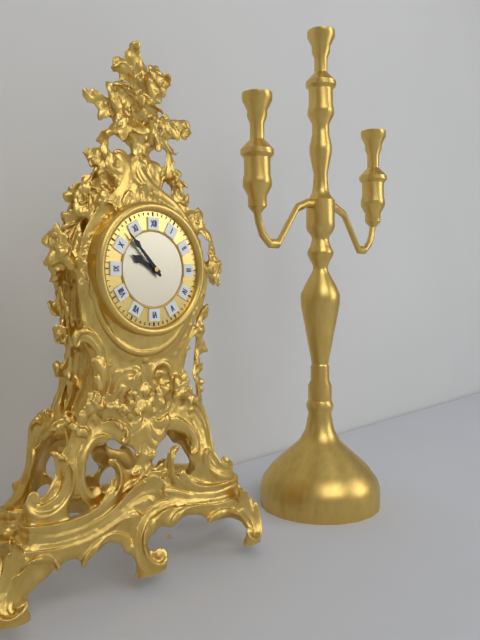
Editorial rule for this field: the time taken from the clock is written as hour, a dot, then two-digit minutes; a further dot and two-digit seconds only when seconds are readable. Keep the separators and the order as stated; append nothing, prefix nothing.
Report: 9.53
